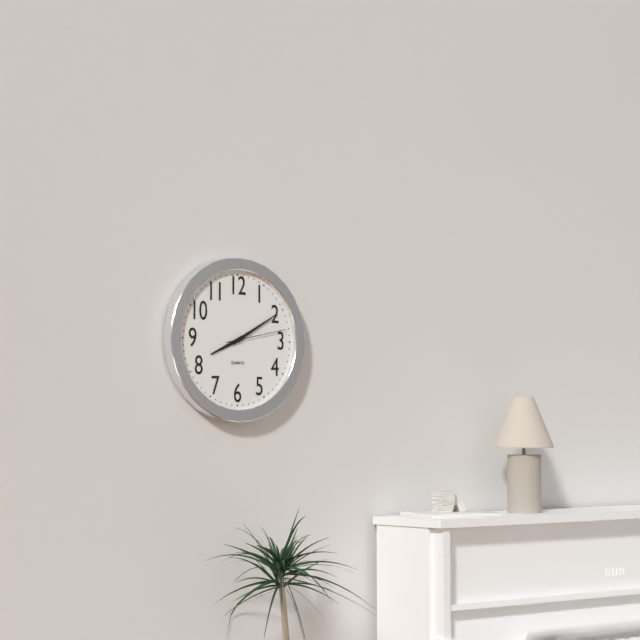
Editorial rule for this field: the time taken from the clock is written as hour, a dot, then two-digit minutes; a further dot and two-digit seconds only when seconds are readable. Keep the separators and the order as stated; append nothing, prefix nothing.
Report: 8.10.13
